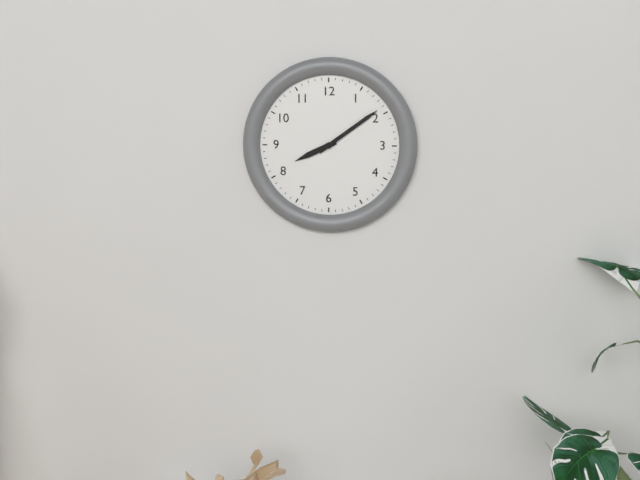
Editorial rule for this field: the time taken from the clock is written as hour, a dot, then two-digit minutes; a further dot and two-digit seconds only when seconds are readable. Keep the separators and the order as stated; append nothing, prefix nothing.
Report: 8.09
